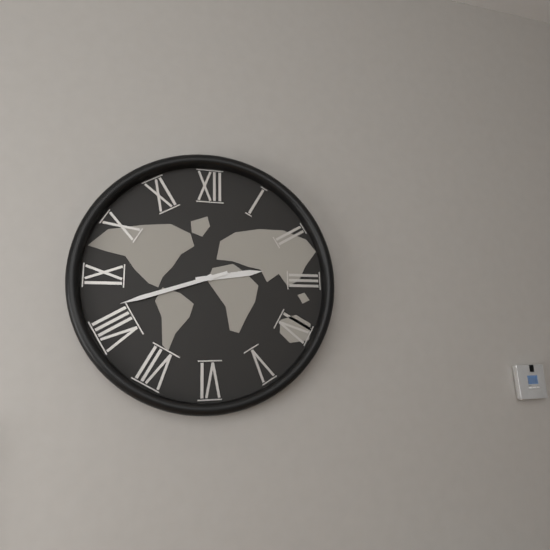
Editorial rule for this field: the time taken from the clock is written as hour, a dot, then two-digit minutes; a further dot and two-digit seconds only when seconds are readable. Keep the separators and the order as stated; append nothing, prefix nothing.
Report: 2.42
